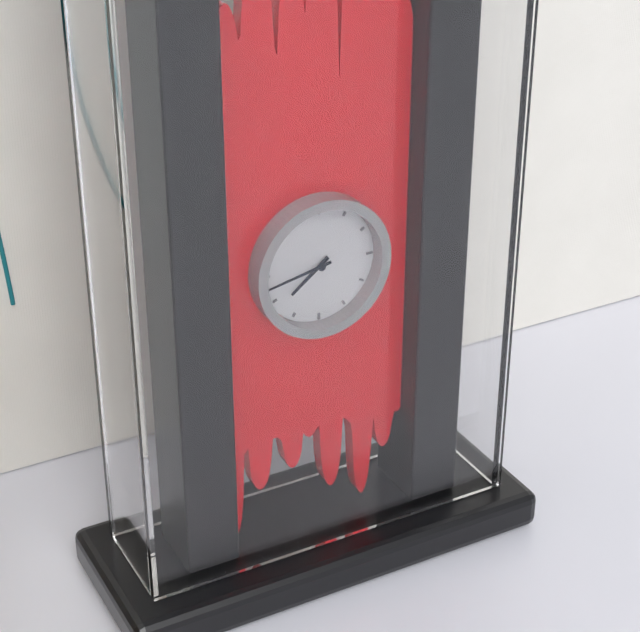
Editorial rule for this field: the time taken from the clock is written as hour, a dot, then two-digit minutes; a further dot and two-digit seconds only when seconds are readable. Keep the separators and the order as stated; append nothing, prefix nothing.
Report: 7.43
